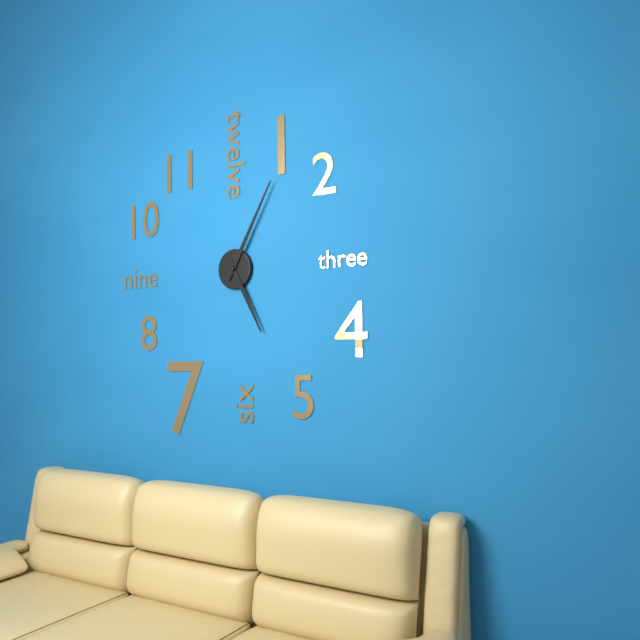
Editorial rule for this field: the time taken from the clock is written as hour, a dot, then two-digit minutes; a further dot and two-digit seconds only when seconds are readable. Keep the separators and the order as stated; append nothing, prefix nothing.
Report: 5.05
